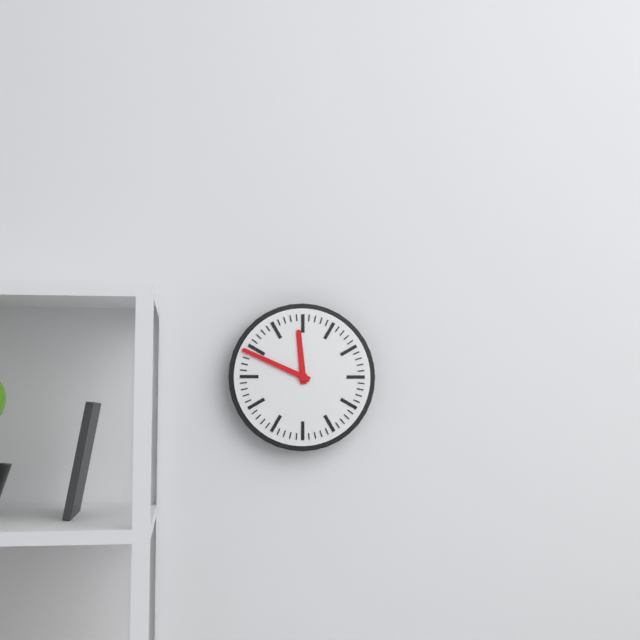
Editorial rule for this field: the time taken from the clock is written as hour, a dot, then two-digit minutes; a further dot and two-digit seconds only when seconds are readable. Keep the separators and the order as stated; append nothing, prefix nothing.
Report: 11.49
